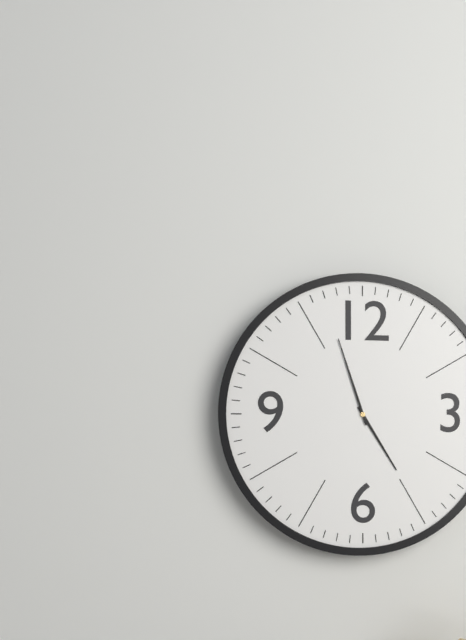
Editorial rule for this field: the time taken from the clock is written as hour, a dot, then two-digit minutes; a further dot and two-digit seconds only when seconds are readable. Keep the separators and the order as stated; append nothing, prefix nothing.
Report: 4.57
